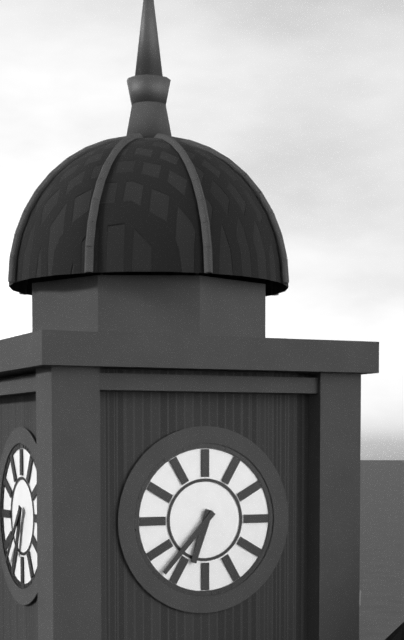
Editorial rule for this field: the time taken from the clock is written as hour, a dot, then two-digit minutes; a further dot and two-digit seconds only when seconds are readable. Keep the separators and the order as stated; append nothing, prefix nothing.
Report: 6.37
